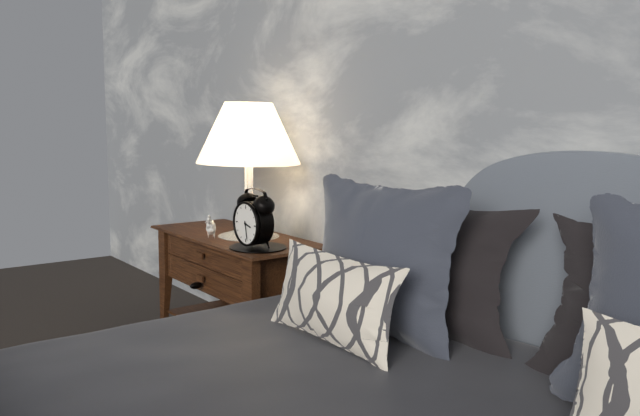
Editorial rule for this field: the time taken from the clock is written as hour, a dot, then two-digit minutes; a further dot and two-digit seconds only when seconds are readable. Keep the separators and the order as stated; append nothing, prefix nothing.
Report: 3.28
